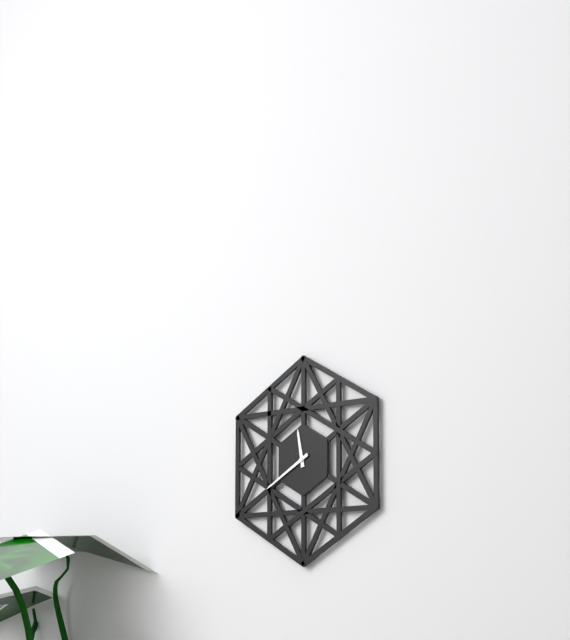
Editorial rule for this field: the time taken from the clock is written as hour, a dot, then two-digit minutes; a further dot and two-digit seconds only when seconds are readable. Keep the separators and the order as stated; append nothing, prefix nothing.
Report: 11.40
